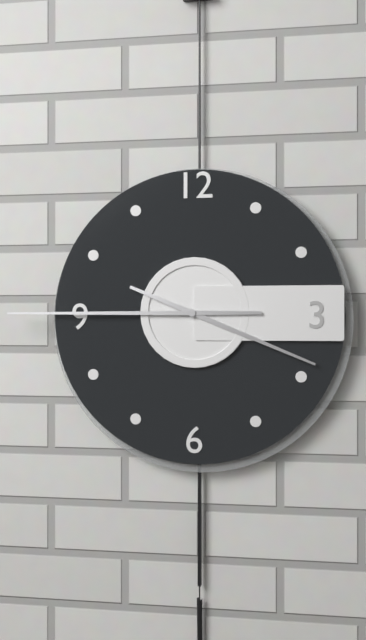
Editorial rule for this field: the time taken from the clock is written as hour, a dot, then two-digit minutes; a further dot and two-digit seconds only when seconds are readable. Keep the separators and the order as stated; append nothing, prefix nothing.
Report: 3.45
